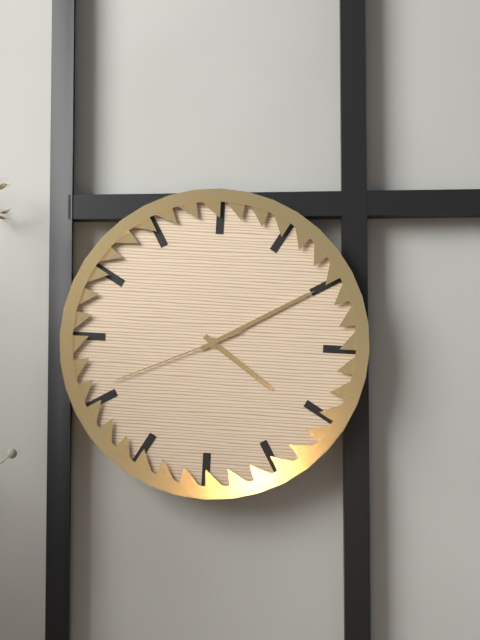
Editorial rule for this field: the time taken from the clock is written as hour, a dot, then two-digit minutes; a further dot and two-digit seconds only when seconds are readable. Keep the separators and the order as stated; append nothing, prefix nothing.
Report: 4.10.41
